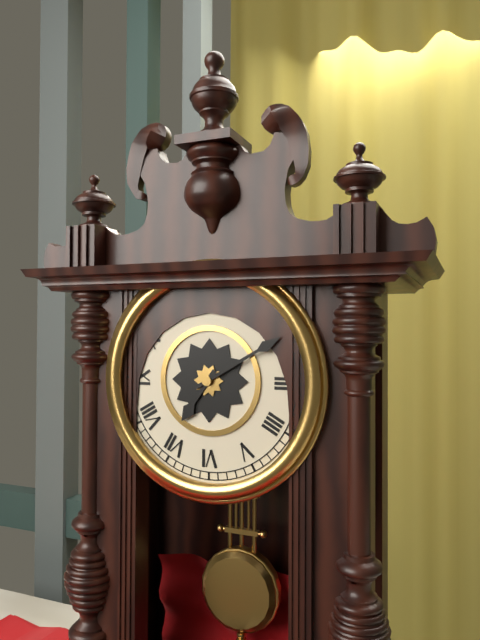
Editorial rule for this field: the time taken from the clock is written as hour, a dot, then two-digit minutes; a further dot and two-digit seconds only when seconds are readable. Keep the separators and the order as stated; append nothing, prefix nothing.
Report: 7.10
